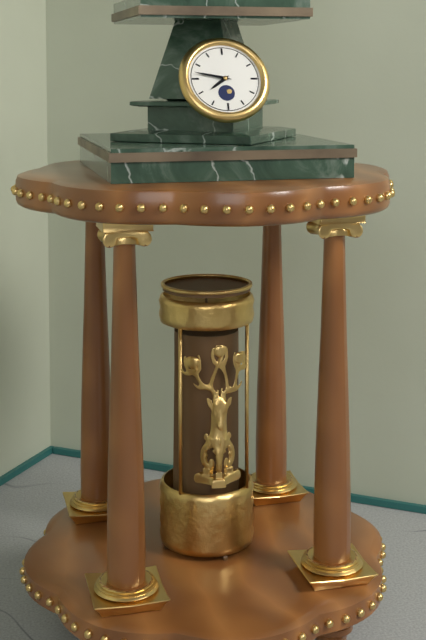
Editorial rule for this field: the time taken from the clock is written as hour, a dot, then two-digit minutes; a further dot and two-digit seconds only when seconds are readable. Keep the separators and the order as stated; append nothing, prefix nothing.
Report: 7.47
